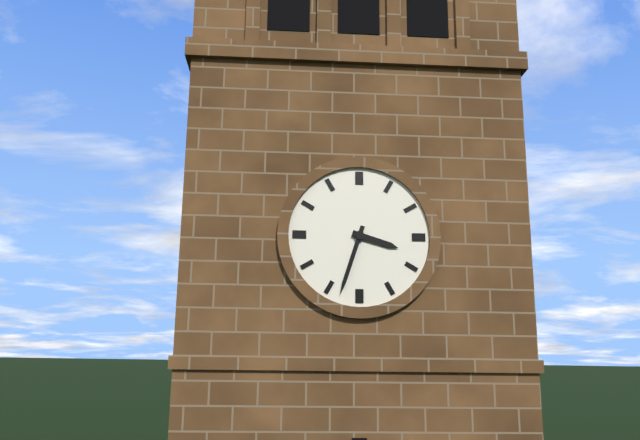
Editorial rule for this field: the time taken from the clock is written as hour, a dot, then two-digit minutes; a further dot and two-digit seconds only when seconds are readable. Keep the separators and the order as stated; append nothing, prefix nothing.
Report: 3.33
